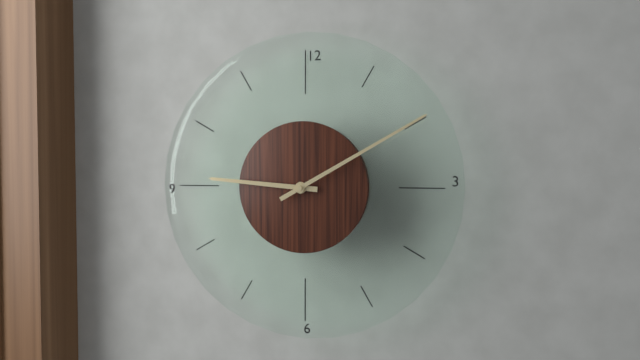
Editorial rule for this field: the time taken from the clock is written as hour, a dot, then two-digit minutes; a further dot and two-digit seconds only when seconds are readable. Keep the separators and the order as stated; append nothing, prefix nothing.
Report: 9.10
